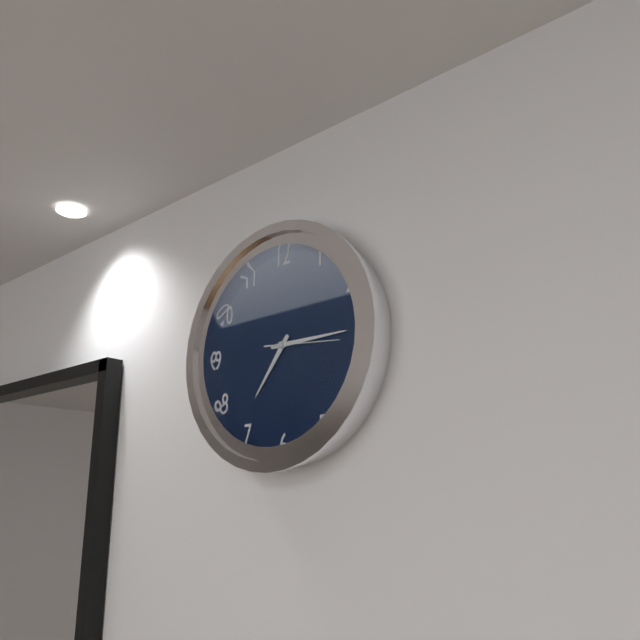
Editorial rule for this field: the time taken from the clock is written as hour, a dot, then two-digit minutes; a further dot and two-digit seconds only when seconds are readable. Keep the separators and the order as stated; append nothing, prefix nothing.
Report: 7.15.16
